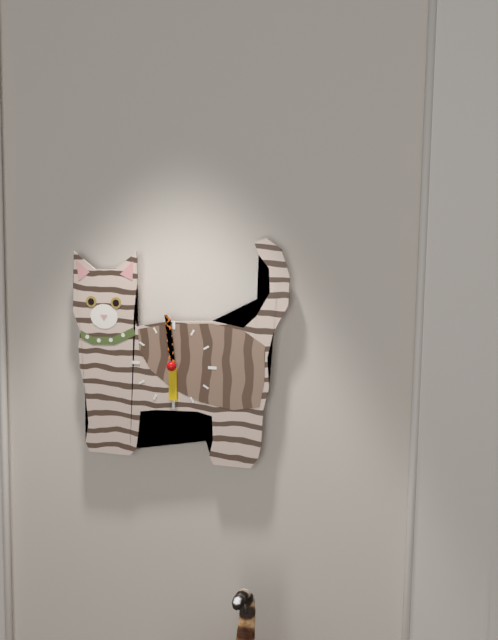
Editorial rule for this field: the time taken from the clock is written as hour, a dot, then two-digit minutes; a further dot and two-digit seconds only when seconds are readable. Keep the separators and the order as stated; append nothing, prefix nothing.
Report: 5.59
